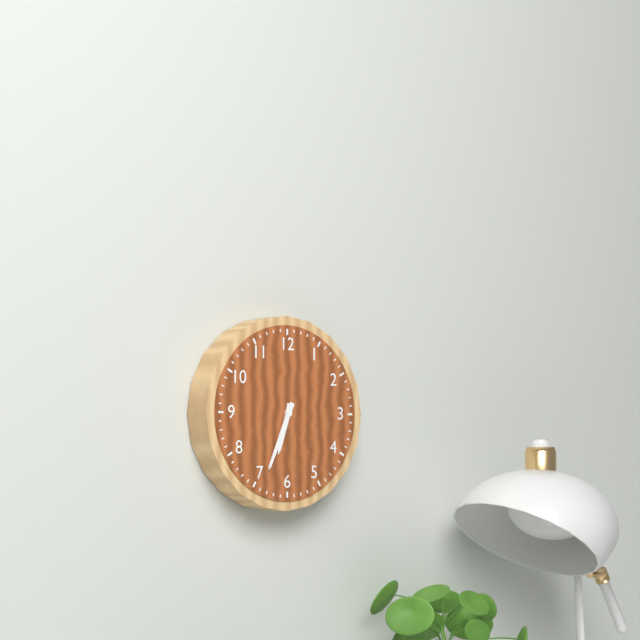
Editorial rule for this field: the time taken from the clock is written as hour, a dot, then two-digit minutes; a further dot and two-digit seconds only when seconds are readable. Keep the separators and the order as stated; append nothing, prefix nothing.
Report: 6.34
